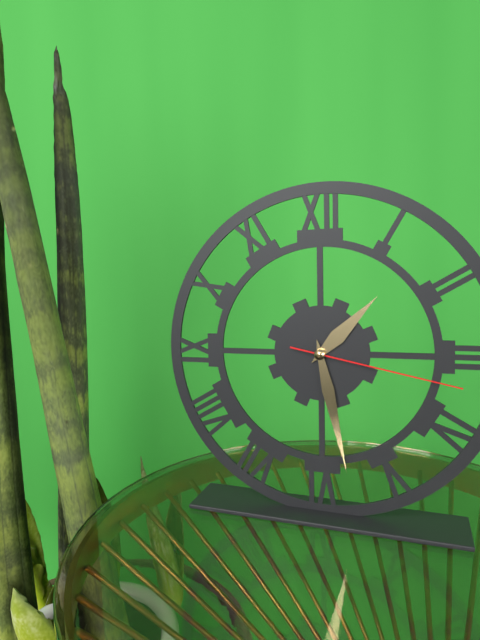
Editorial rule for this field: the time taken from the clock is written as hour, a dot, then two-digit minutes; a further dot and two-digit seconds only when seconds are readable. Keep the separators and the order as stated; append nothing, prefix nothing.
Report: 1.28.17
